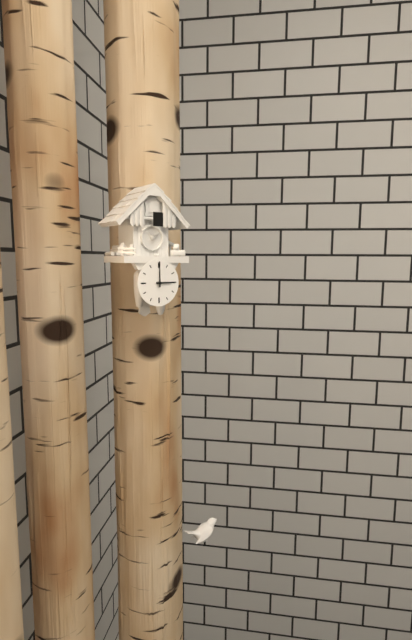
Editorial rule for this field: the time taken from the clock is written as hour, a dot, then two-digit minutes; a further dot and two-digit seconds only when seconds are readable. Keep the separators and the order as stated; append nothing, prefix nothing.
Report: 3.00
